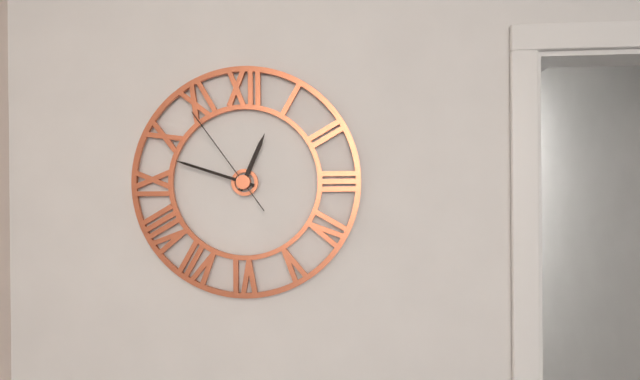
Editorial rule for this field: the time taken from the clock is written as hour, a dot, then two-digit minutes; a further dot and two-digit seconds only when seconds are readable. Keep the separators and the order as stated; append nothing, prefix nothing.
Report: 12.48.54
